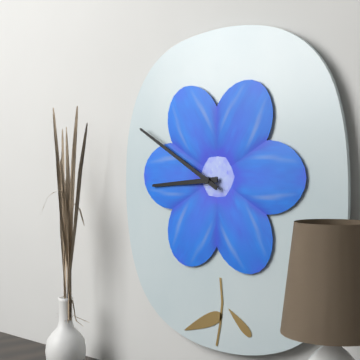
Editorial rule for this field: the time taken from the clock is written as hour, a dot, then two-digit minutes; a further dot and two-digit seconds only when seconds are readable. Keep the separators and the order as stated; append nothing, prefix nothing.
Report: 8.50
